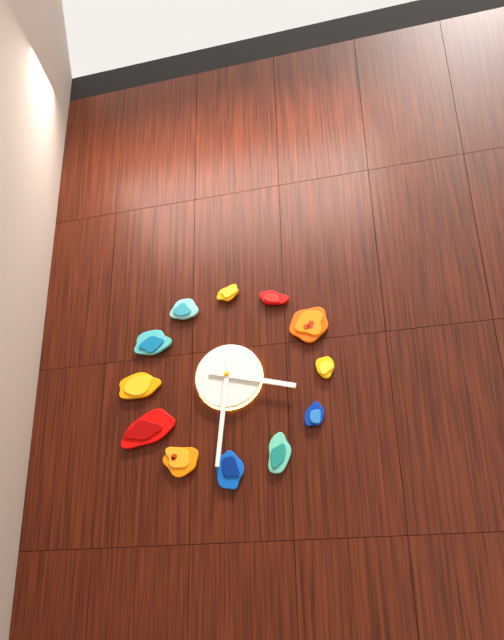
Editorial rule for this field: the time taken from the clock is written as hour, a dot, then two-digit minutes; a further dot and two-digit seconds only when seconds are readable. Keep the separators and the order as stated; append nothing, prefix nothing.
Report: 3.31
